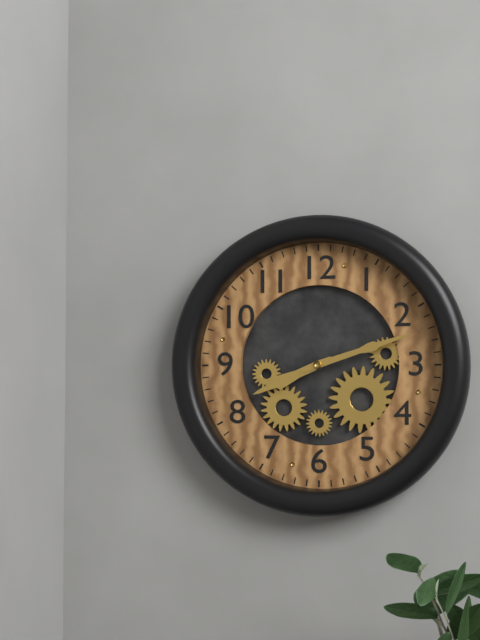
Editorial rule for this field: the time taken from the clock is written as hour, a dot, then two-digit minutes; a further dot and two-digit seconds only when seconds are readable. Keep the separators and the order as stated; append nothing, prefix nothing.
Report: 8.12
